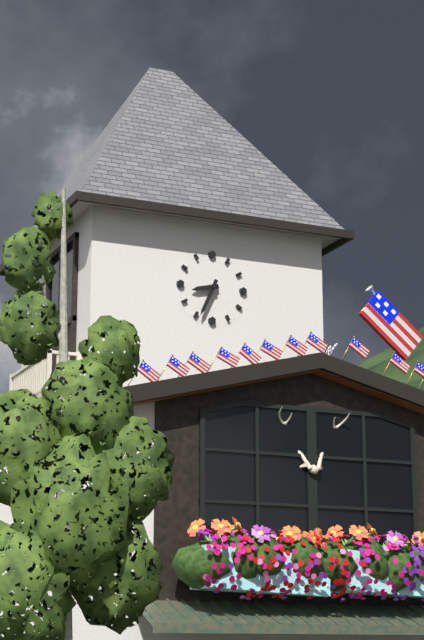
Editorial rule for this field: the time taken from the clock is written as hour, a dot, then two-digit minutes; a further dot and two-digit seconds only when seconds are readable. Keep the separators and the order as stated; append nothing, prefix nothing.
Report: 8.34
